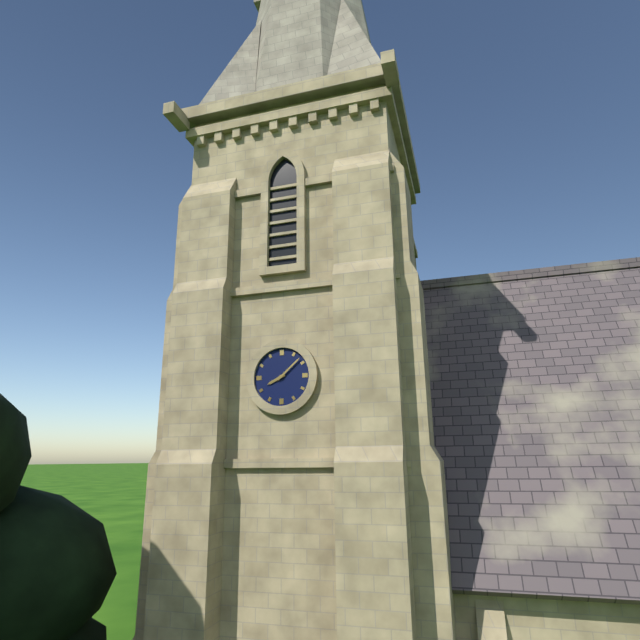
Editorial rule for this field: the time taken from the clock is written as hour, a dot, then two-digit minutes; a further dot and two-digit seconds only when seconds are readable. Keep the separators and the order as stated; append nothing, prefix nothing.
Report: 8.08
